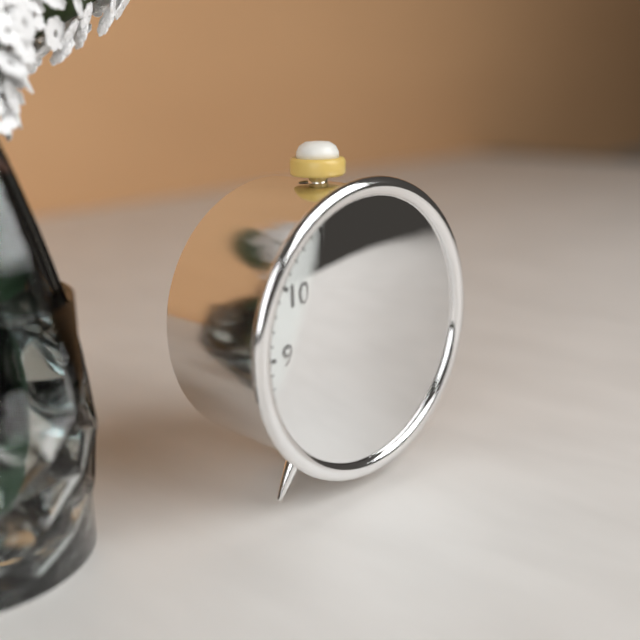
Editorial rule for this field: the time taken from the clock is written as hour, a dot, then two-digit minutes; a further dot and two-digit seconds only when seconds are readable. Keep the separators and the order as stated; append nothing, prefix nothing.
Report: 7.55
